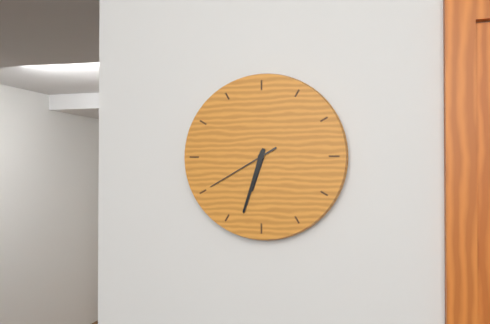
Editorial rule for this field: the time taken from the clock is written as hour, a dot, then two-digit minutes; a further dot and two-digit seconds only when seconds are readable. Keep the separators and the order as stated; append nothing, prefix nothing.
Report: 6.33.40
